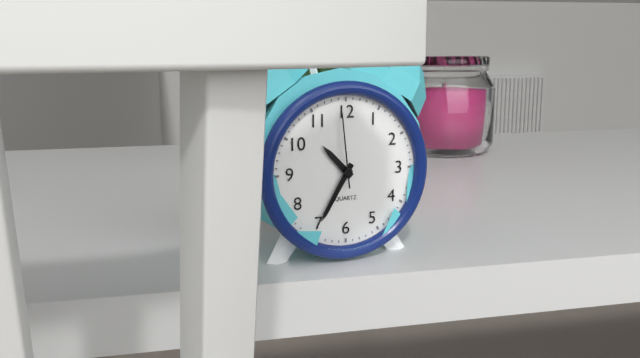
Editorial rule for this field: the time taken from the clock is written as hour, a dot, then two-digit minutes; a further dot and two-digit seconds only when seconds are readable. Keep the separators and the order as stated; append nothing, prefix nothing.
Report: 10.35.59
